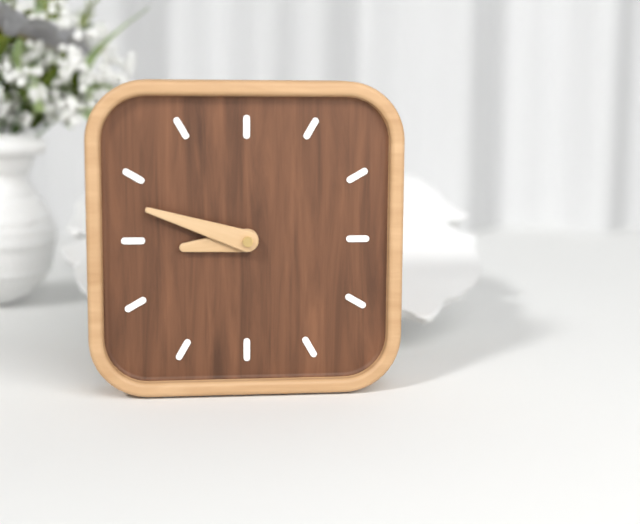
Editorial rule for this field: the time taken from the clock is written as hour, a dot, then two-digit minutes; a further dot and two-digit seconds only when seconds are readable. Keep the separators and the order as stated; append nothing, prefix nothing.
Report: 8.48
